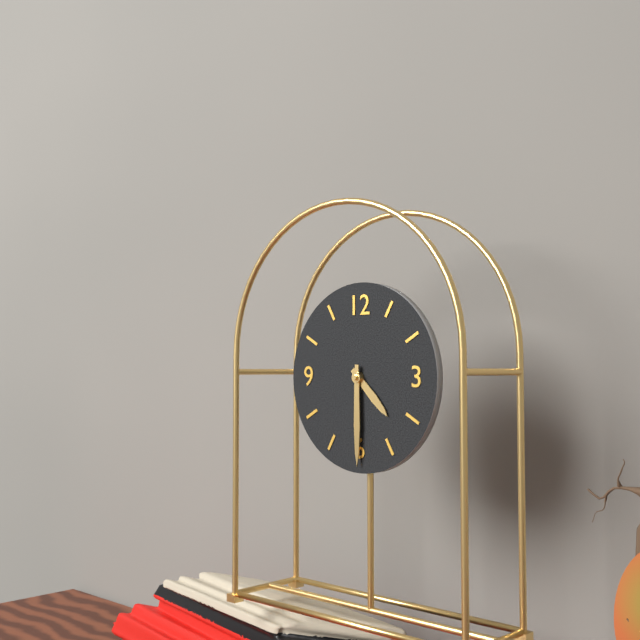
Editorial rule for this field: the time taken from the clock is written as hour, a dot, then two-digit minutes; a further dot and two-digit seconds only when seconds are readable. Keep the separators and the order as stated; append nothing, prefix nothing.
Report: 4.30
